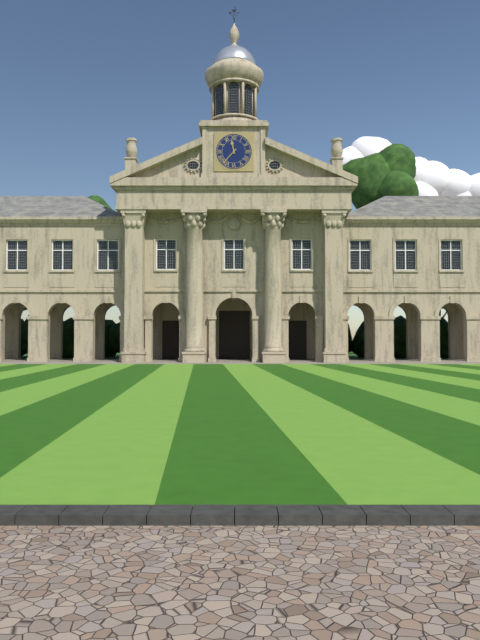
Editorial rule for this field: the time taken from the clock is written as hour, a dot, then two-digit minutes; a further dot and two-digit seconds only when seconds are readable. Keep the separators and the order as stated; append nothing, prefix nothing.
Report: 11.37
